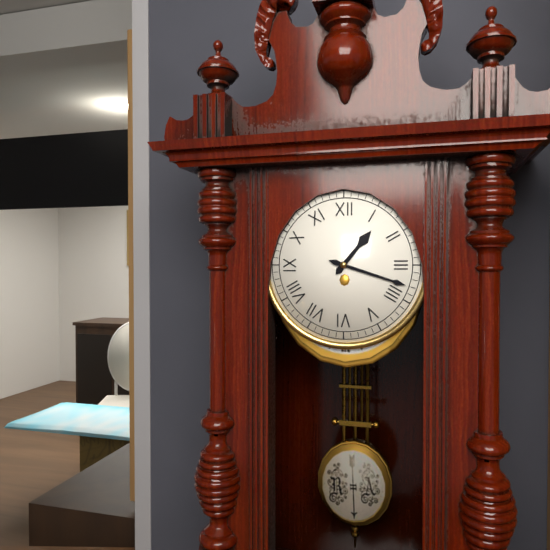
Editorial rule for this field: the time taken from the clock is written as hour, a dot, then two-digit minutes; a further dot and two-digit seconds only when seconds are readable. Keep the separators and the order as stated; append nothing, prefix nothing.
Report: 1.18
